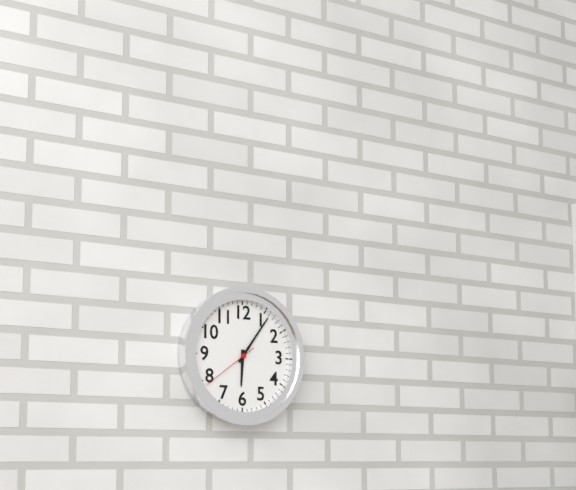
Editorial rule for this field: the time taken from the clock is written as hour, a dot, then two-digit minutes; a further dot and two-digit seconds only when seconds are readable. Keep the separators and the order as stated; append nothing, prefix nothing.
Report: 6.06.39
